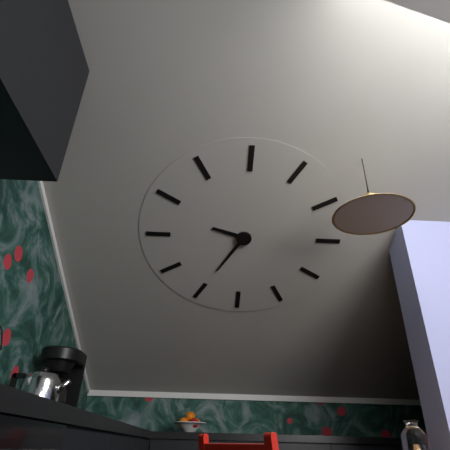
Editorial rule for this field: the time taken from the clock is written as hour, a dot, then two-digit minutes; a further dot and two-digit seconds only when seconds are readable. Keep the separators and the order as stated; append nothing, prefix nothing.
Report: 9.35
